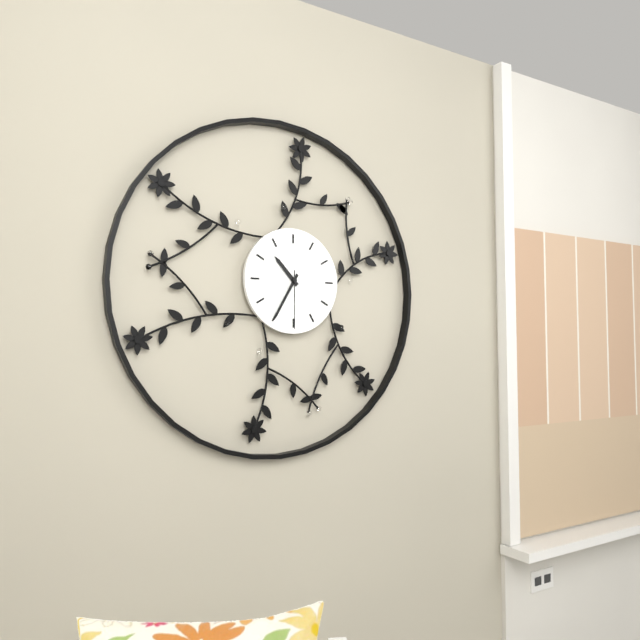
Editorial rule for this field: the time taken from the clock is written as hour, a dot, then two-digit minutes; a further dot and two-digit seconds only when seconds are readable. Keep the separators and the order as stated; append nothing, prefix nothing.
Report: 10.35.30
